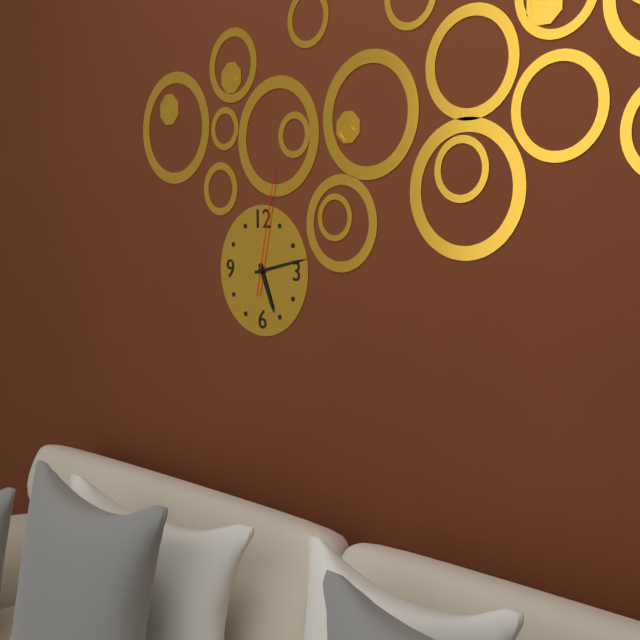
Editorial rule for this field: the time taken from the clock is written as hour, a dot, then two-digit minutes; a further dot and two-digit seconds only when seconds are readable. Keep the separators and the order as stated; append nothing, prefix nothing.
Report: 5.13.02
